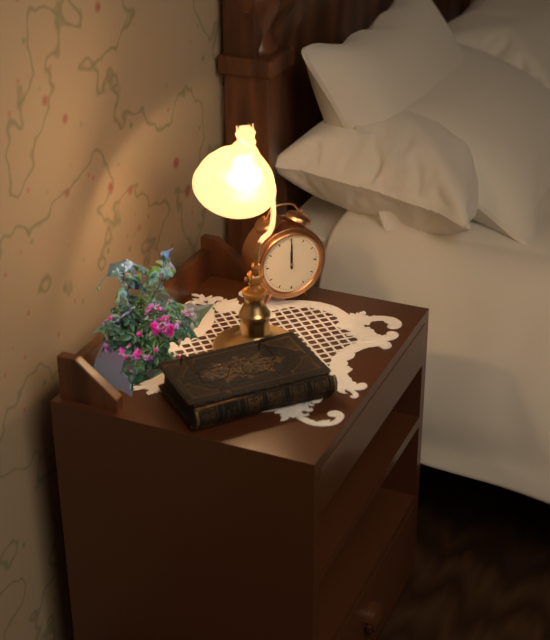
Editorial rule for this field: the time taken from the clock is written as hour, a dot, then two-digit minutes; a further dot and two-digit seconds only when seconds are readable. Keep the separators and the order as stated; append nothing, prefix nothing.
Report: 12.00
